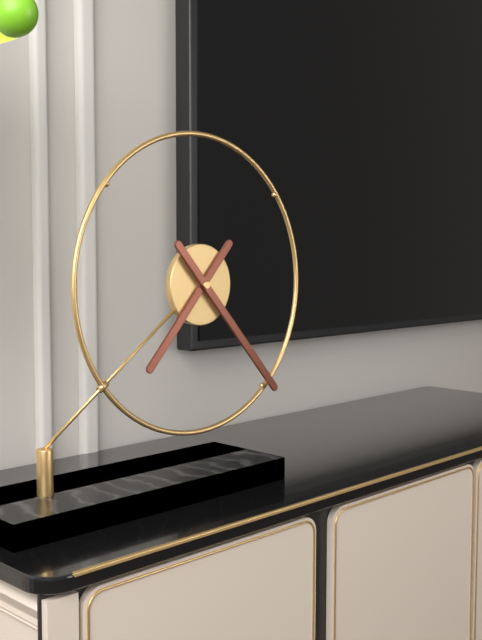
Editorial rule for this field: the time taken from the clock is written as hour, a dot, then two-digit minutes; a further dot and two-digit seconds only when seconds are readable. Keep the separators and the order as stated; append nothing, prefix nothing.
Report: 7.23
